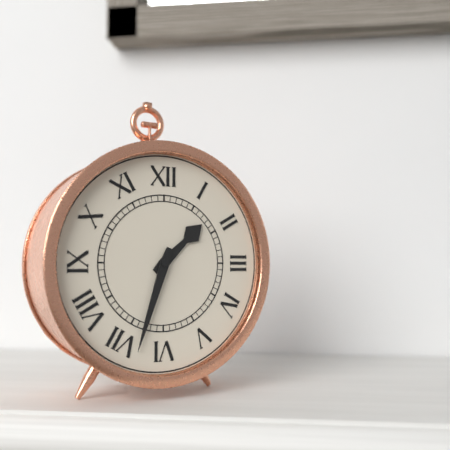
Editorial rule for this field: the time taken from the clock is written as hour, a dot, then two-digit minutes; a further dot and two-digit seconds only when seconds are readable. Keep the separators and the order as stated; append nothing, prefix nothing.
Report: 1.33
